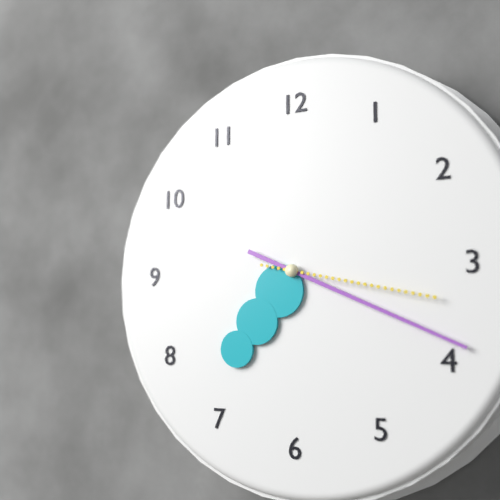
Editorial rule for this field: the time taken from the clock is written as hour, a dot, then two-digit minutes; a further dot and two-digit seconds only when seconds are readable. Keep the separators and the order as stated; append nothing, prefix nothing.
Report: 7.19.17
